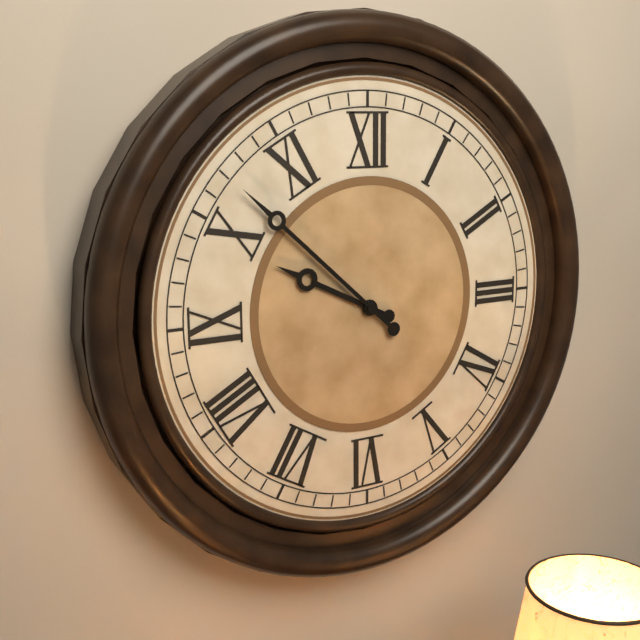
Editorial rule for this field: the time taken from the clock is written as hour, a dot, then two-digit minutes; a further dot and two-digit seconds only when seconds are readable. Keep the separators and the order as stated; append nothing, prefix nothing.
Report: 9.52
